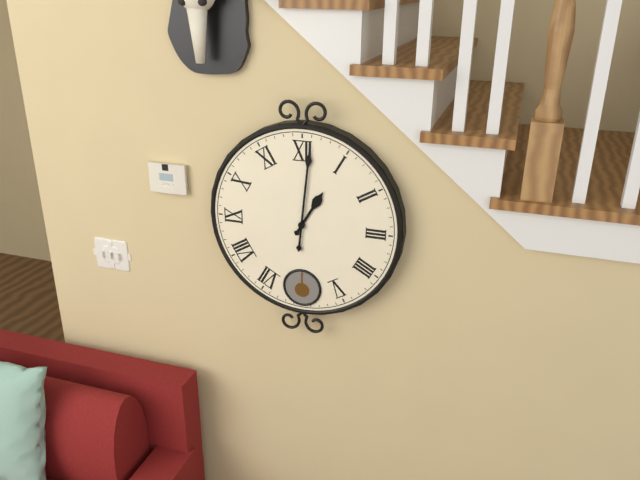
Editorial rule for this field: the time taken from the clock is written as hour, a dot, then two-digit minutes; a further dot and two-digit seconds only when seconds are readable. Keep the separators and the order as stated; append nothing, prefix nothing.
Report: 1.01
